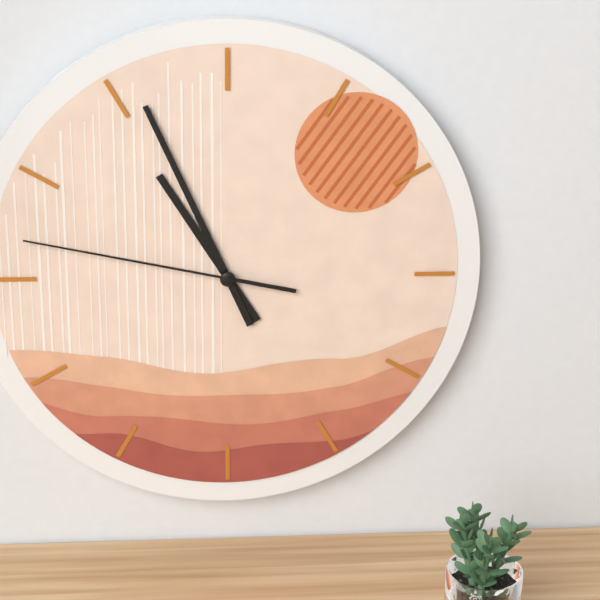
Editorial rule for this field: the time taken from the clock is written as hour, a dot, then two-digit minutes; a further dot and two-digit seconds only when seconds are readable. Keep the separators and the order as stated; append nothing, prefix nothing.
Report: 10.56.47
